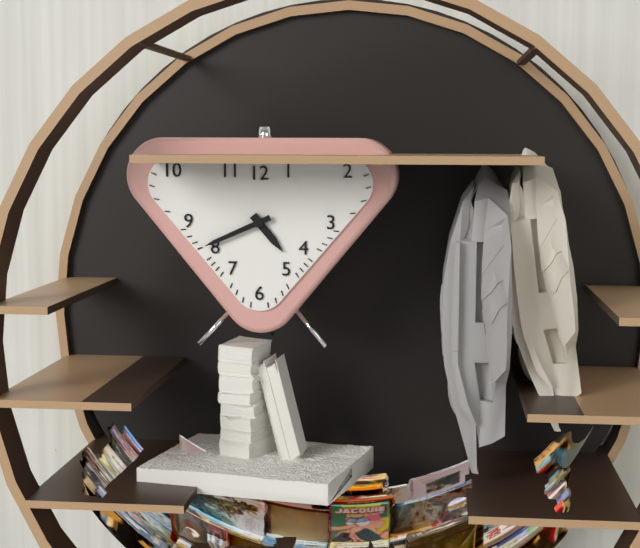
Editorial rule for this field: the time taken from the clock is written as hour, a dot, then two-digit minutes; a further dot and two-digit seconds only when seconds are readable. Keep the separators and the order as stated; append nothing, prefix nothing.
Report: 4.41
